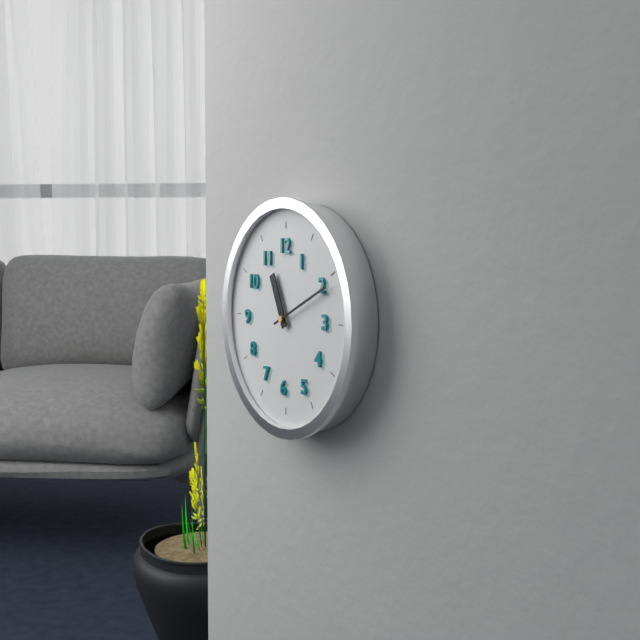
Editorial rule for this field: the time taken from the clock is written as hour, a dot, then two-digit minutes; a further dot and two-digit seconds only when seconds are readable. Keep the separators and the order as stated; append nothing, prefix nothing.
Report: 11.11
